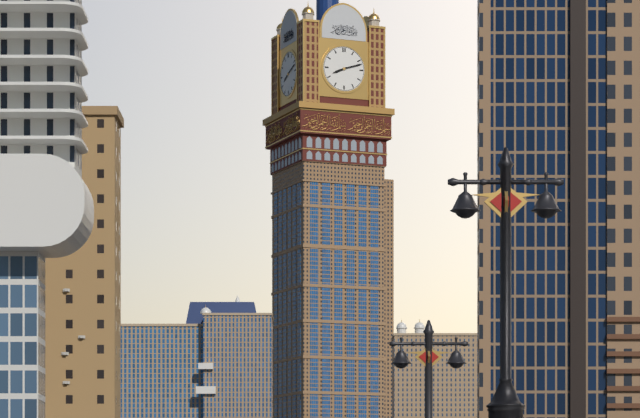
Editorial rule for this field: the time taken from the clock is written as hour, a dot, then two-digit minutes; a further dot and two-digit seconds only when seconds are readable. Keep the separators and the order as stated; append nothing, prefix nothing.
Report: 8.12
